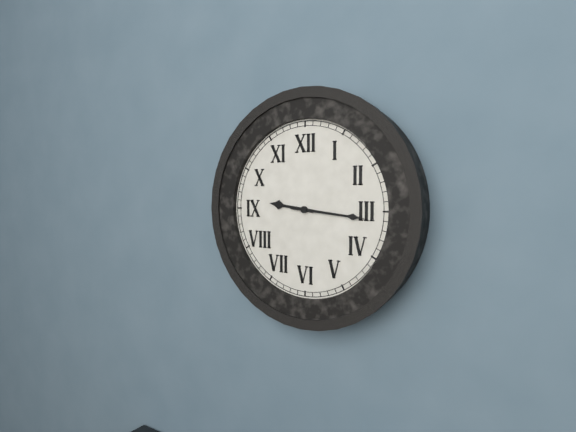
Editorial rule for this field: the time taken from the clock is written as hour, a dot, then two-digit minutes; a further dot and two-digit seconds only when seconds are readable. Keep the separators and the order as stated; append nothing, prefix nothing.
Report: 9.16
